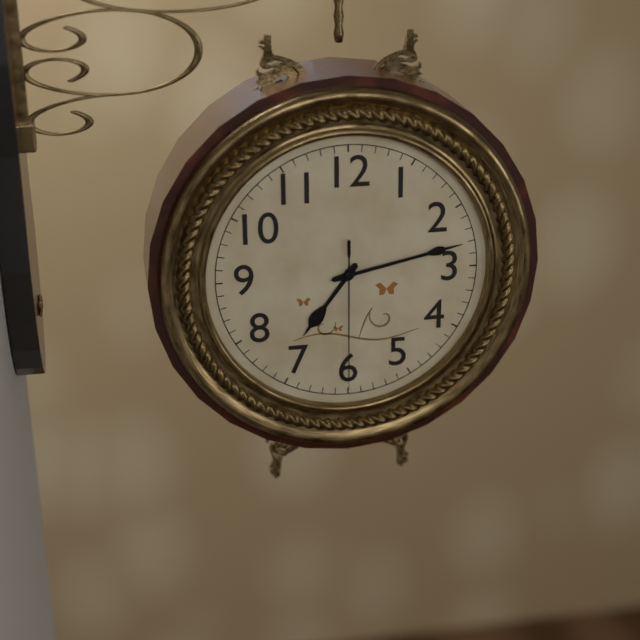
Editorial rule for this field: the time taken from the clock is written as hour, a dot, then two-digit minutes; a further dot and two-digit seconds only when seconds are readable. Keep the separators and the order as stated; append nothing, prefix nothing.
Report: 7.13.30
